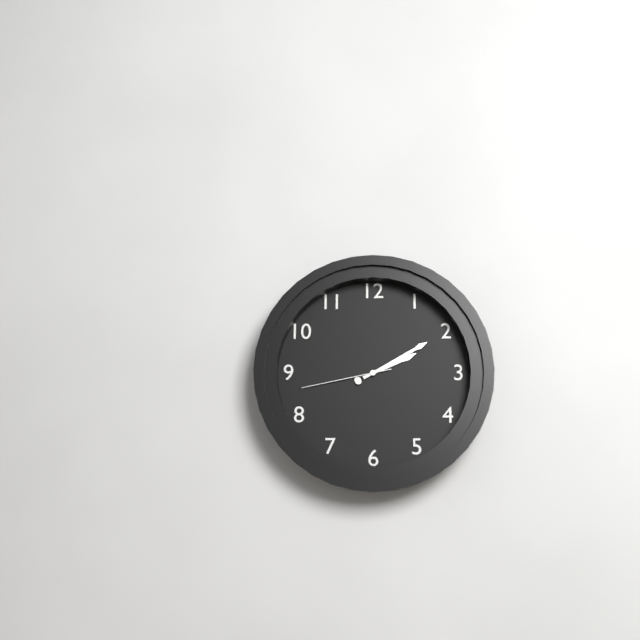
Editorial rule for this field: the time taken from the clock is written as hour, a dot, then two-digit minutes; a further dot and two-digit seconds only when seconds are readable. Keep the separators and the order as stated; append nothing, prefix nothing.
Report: 2.10.43
